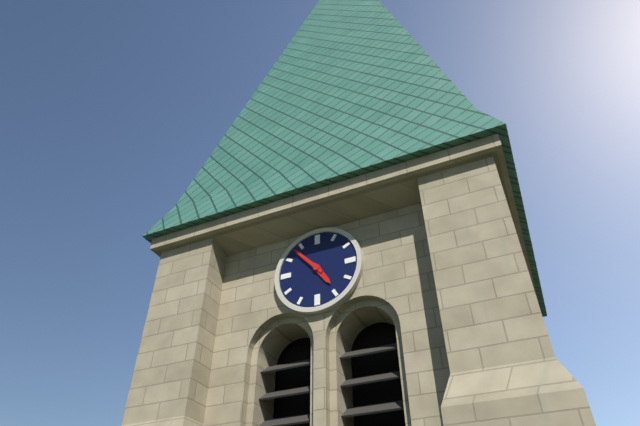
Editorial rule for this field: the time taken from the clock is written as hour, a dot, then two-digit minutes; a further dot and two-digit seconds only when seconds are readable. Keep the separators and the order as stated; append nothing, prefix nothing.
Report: 4.53
